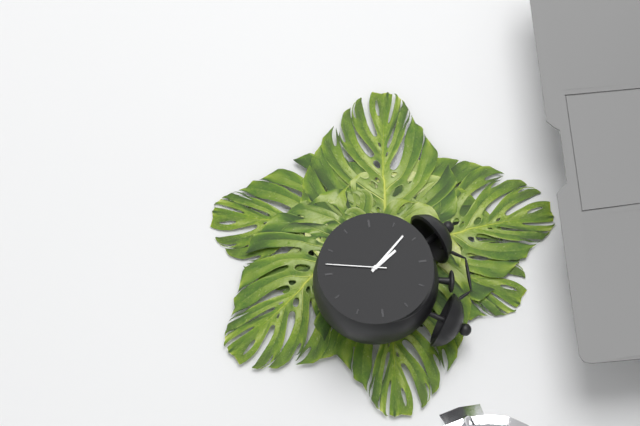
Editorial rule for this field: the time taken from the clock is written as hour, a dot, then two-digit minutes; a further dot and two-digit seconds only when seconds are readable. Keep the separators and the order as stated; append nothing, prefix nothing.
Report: 10.53.32
